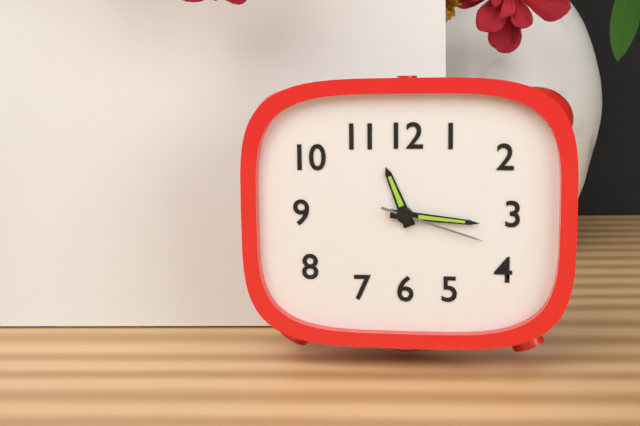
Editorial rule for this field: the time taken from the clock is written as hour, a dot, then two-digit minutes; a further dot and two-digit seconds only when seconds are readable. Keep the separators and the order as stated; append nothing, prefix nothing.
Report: 11.16.18
